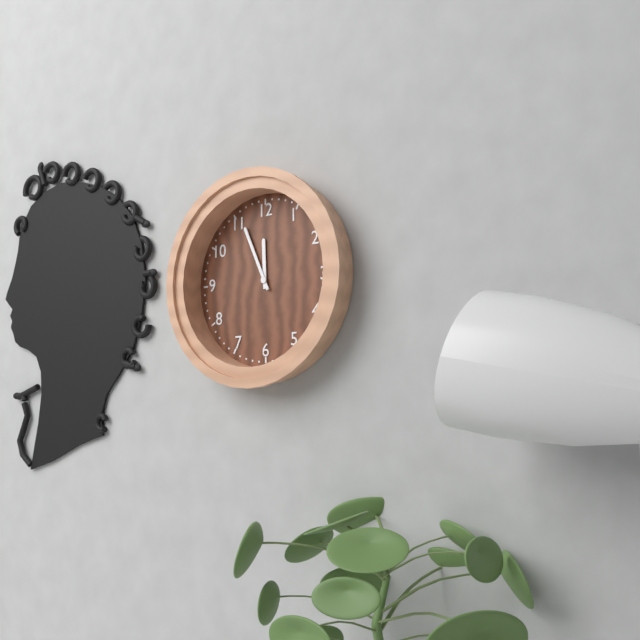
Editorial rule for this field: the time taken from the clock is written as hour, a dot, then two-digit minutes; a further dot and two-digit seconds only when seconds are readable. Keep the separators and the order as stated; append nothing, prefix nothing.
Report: 11.56
